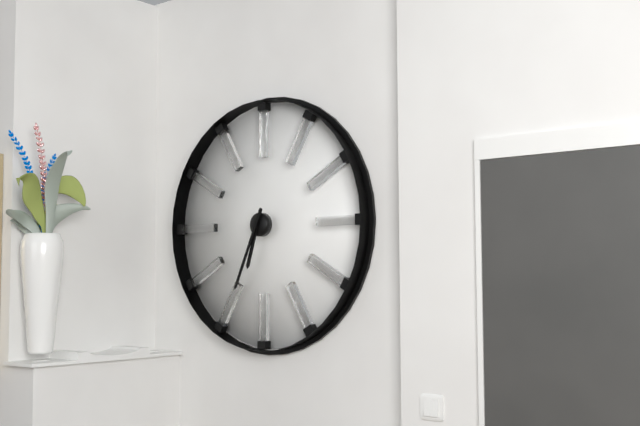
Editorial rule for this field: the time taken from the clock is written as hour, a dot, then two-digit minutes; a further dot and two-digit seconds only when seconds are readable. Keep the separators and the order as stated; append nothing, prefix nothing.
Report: 6.34
